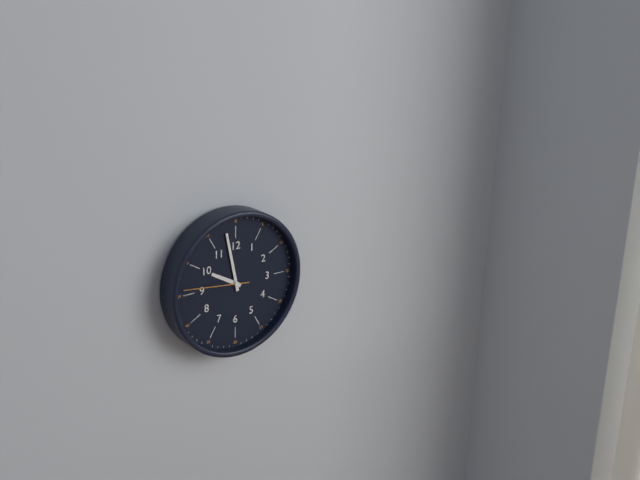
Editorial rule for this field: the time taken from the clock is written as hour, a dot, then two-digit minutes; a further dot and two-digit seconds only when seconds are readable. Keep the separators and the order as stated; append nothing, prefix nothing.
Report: 9.58.46
